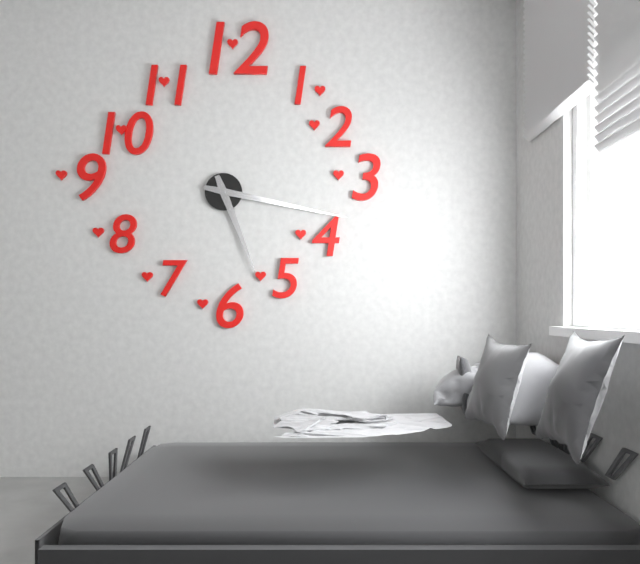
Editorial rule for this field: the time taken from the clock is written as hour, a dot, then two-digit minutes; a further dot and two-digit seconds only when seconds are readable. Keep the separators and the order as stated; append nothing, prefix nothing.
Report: 5.17
